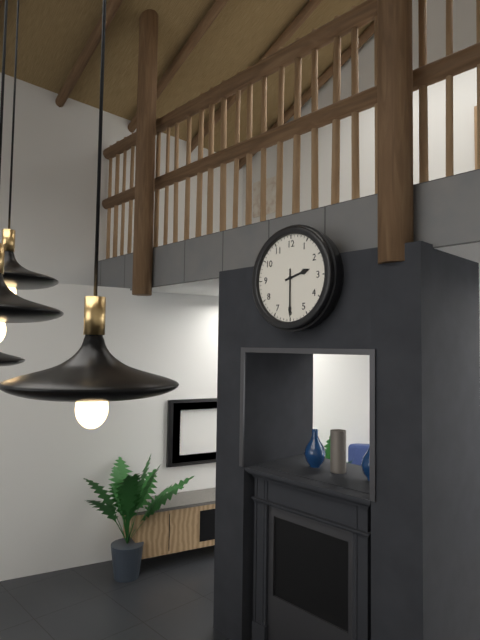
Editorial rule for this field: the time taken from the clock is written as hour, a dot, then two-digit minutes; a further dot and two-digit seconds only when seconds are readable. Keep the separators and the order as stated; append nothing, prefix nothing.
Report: 2.30
